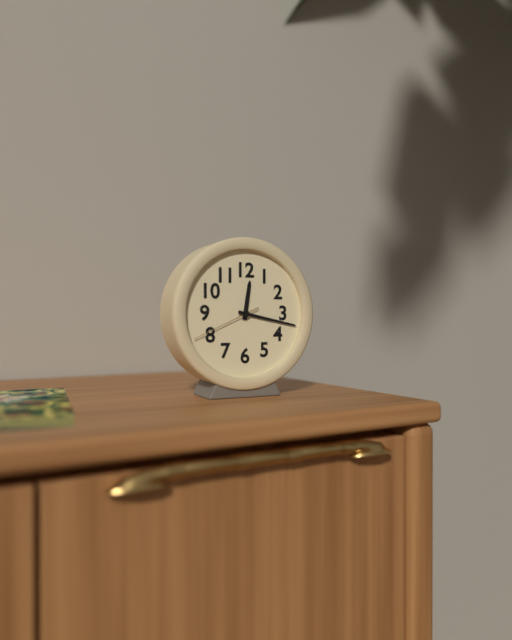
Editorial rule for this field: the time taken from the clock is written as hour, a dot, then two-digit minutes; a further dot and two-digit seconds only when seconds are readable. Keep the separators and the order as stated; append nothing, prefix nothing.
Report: 12.17.41
